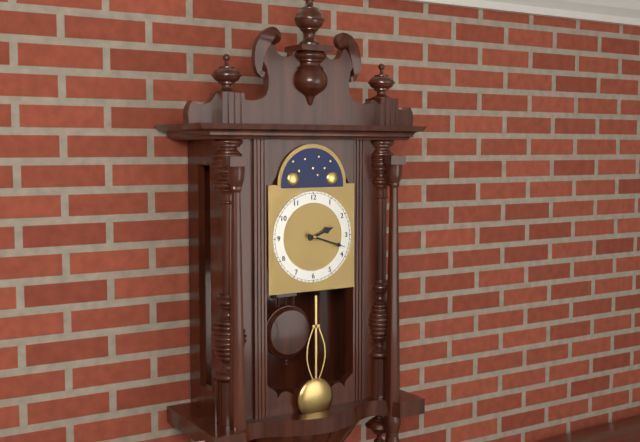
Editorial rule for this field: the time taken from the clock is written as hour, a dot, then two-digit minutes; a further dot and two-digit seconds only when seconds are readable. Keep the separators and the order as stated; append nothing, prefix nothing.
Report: 2.18
